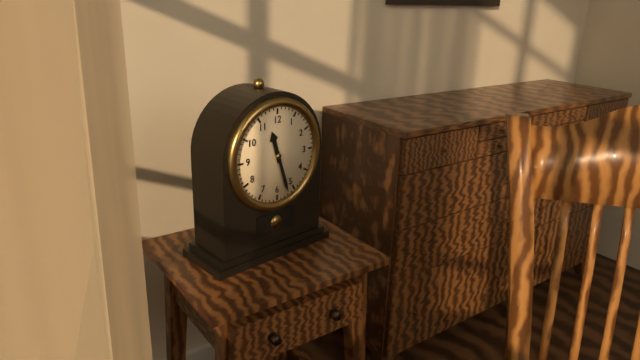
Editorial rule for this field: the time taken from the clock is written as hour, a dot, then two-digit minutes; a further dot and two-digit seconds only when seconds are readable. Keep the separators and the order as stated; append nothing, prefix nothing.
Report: 11.27
